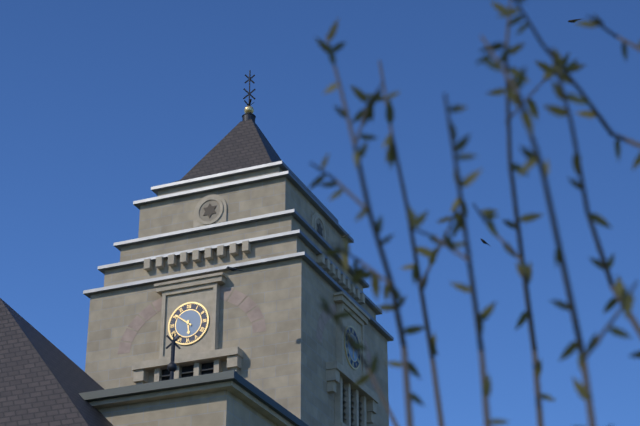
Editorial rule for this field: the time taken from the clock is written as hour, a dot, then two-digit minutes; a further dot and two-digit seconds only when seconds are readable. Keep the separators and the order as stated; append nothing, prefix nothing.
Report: 5.51
